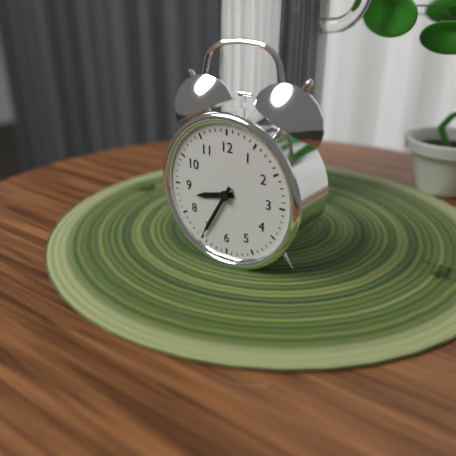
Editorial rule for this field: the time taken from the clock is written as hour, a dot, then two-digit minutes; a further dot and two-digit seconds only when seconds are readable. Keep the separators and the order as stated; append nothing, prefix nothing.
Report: 8.35
